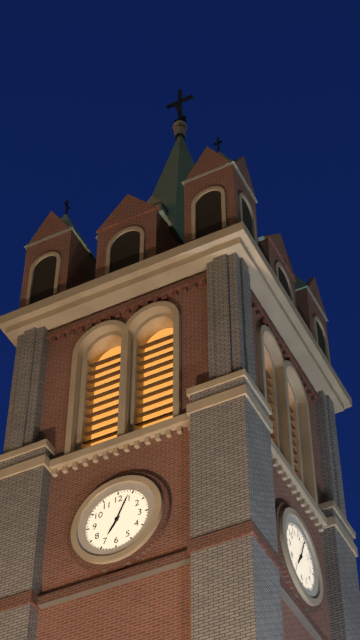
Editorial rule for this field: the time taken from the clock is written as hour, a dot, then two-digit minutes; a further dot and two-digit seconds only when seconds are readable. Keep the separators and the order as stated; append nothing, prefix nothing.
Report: 7.04
